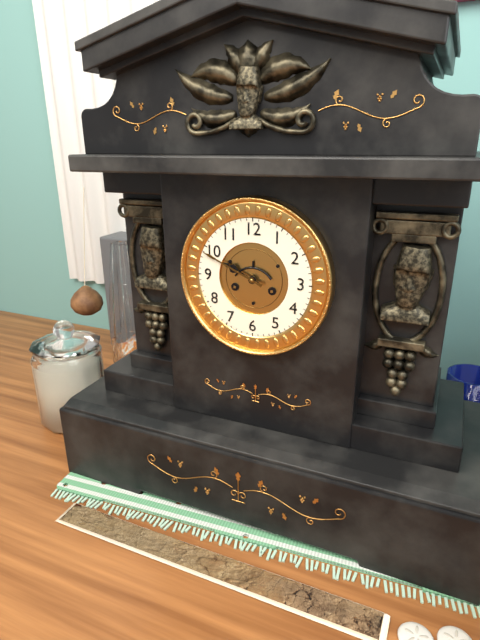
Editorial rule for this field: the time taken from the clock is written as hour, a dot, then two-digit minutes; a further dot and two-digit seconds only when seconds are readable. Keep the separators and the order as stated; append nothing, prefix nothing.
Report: 9.49
